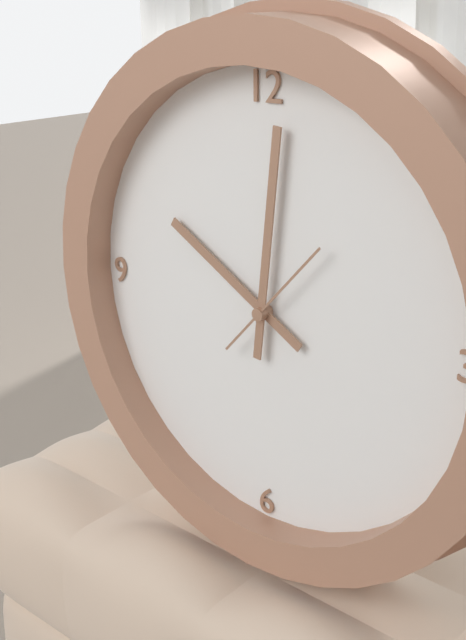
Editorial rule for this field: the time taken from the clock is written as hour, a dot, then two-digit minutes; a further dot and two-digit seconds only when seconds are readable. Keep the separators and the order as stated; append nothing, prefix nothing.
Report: 10.01.07
